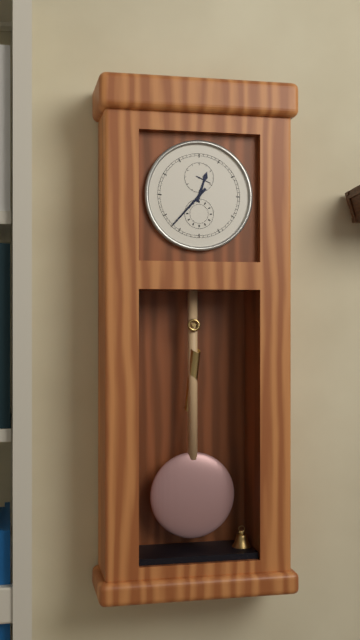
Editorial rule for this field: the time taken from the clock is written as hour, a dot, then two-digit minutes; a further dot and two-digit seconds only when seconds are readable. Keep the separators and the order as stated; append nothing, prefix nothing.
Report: 12.37
